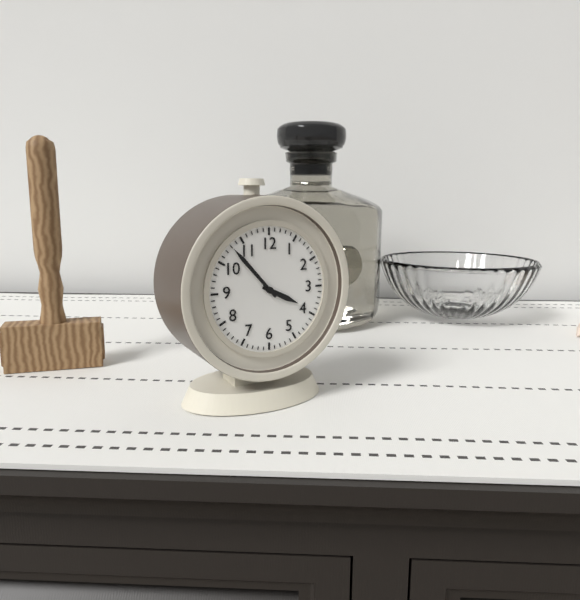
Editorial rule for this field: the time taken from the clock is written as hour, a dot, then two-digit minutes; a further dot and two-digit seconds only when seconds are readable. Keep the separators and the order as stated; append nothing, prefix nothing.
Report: 3.53
